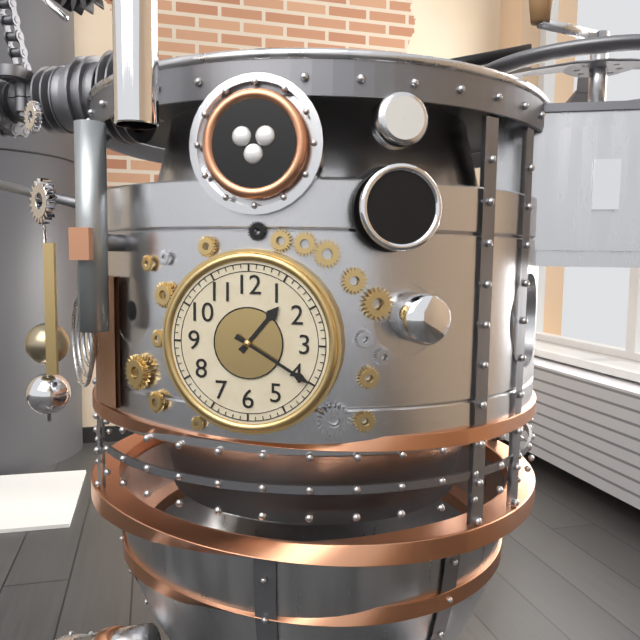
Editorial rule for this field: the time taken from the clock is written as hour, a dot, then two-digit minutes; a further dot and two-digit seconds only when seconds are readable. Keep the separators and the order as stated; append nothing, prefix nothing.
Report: 1.20
